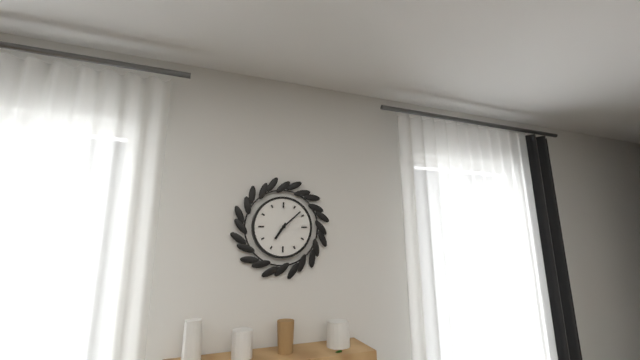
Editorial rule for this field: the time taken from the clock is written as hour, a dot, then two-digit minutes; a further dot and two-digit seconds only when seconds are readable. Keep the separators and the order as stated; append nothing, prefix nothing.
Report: 7.08
